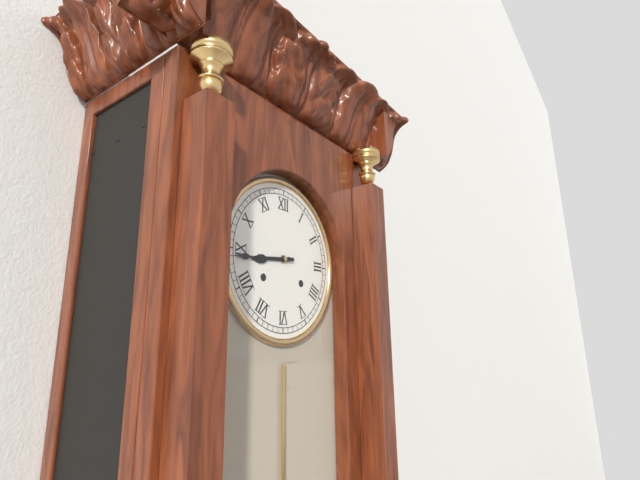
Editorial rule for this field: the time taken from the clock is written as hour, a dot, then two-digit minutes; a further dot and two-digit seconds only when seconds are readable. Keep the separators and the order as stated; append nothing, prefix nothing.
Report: 8.44
